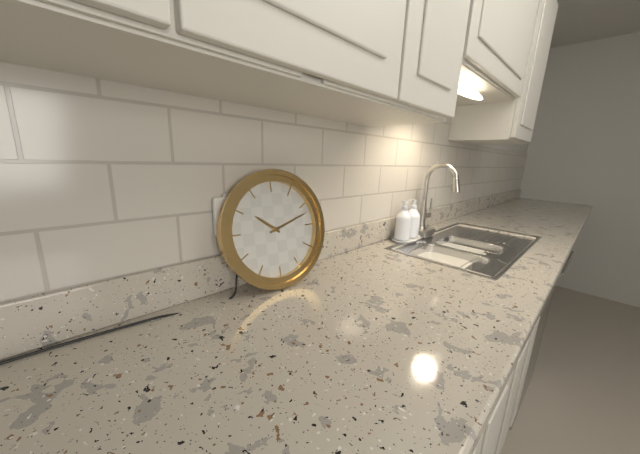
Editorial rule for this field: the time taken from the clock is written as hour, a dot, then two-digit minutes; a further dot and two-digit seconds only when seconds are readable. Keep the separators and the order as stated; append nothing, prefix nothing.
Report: 10.12
